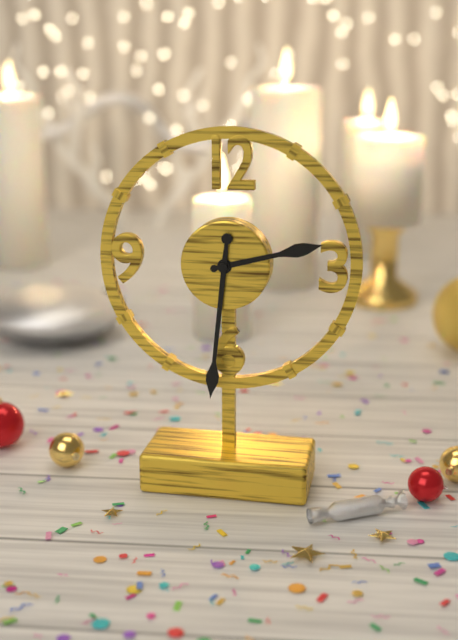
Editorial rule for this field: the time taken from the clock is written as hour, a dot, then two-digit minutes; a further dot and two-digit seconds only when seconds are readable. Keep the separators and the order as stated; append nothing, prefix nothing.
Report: 2.31
